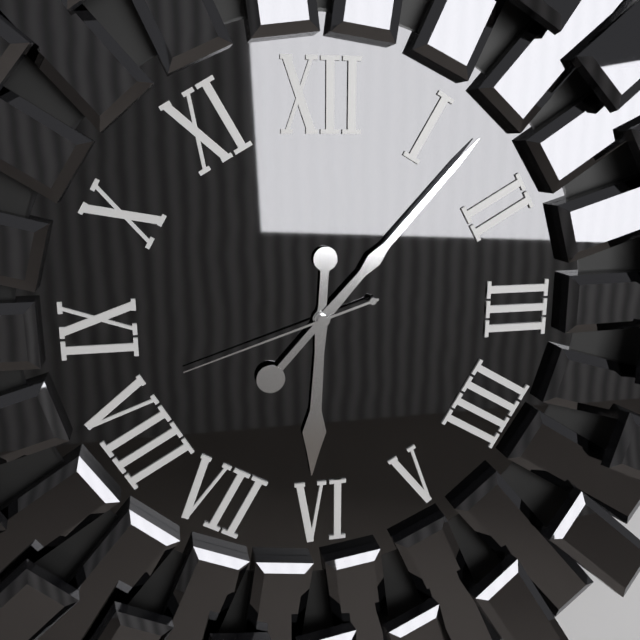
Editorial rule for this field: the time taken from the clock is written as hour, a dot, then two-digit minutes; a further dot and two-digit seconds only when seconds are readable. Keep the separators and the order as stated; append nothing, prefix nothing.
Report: 6.07.42
